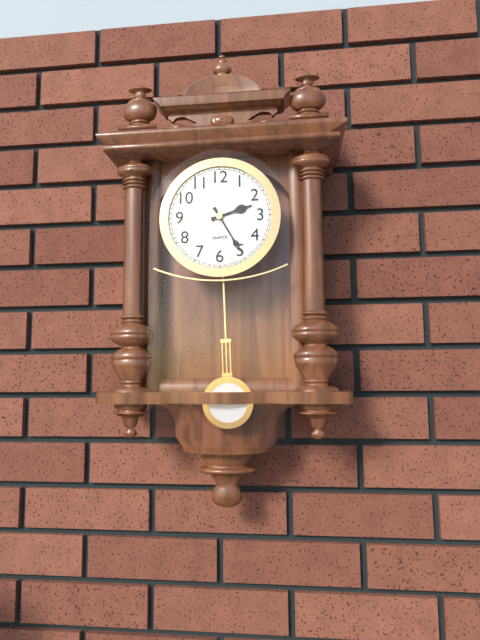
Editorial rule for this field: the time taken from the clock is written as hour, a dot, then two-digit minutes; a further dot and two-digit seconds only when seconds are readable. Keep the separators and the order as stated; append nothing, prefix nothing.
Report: 2.25
